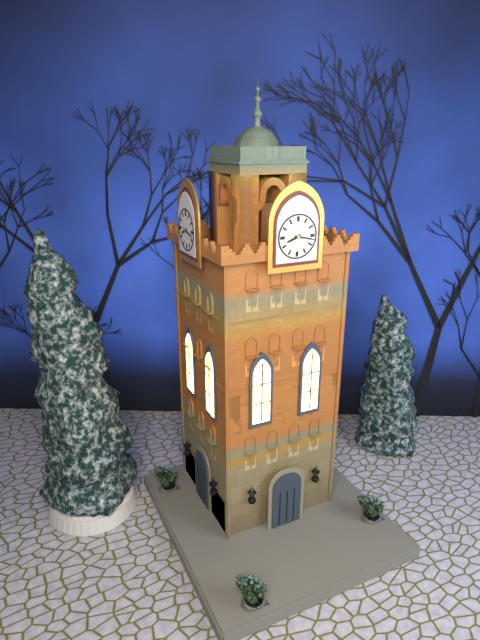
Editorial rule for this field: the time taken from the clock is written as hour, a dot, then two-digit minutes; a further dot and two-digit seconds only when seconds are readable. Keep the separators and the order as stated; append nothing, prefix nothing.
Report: 8.17
